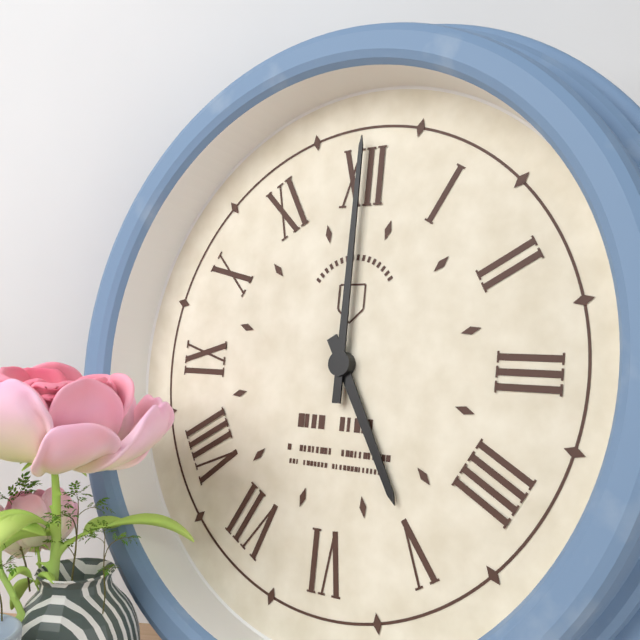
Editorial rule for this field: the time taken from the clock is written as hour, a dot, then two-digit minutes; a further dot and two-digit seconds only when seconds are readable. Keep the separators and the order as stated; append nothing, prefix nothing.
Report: 5.00
